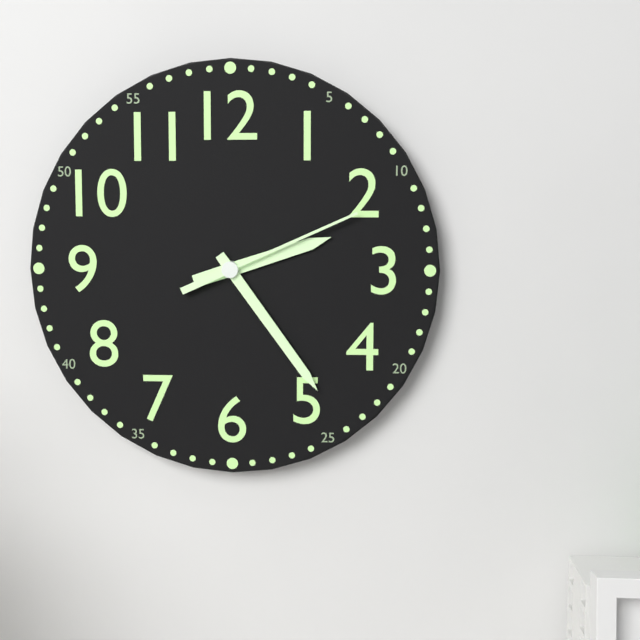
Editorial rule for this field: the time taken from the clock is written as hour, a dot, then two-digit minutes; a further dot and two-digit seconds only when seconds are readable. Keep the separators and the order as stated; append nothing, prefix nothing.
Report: 2.24.11
